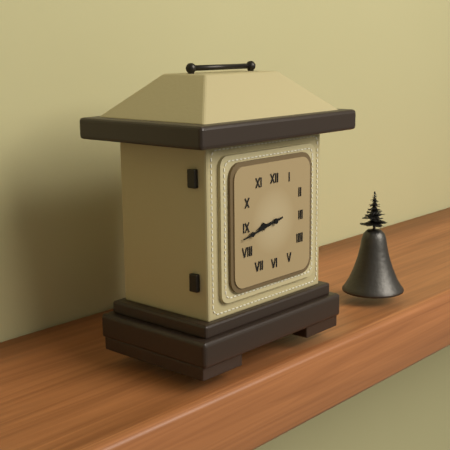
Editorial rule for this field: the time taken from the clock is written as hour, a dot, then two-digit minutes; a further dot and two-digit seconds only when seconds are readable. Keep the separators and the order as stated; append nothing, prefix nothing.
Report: 8.43
